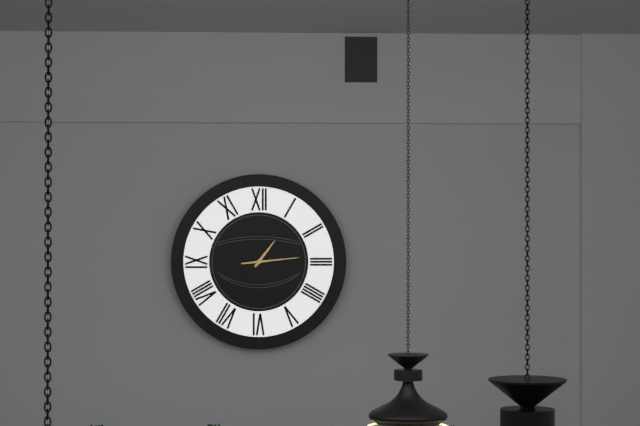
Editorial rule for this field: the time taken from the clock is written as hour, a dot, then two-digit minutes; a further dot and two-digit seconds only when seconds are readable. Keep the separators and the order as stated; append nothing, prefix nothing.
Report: 1.14
